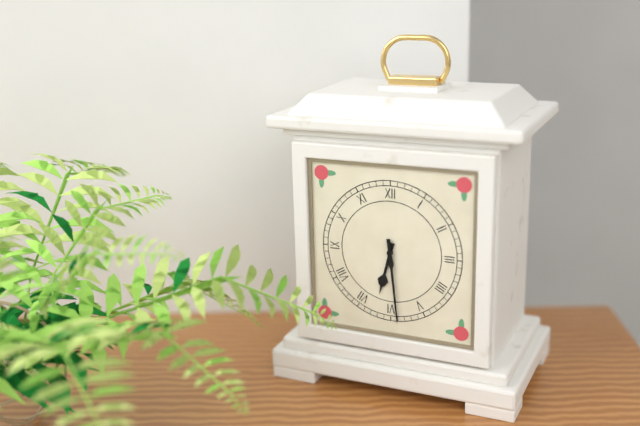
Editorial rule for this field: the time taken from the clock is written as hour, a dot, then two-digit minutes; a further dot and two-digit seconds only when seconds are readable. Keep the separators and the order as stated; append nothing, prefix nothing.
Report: 6.29
